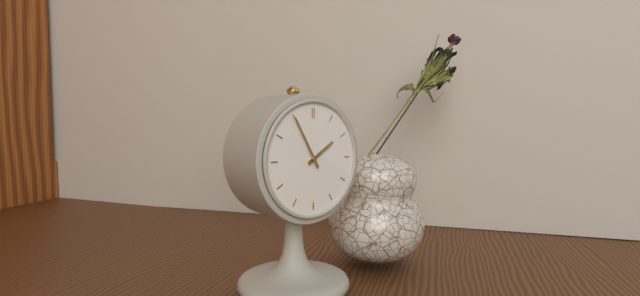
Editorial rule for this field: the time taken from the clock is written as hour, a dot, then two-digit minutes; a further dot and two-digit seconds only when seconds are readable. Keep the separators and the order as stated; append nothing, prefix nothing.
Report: 1.55
